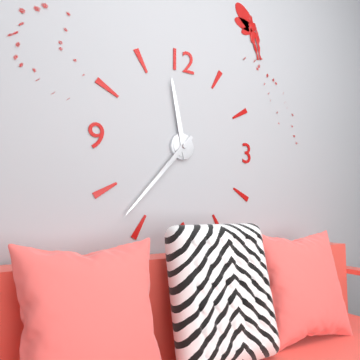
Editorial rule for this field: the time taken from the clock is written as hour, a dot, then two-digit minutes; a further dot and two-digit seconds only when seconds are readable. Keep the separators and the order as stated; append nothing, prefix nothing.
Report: 11.37
